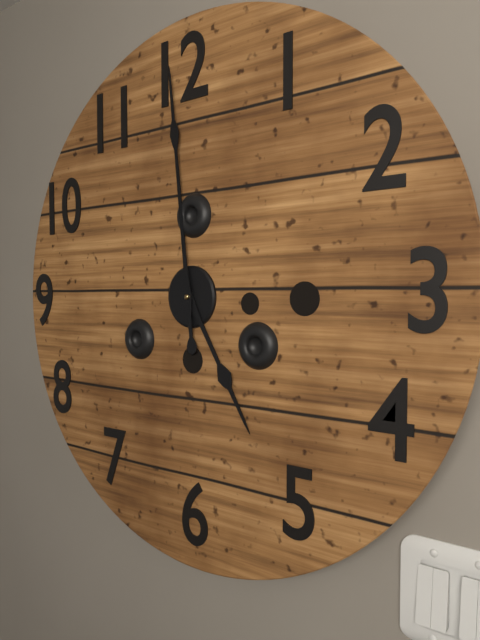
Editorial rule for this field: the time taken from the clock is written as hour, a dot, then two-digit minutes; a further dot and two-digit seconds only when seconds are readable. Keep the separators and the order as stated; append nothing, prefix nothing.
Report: 4.59
